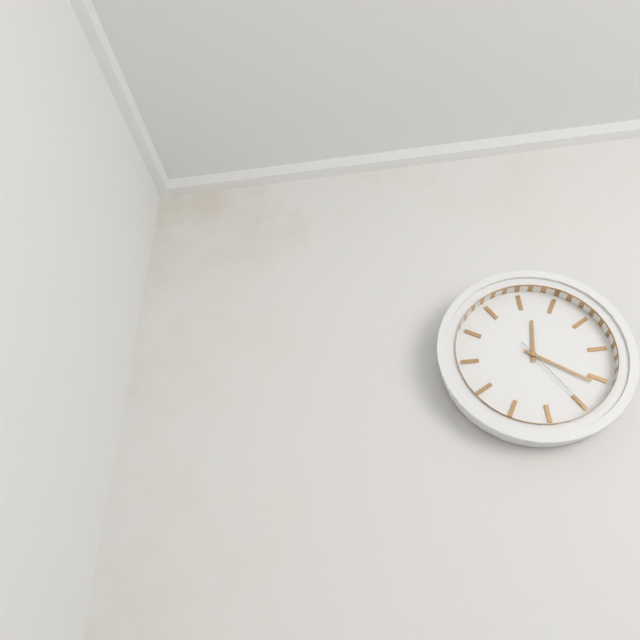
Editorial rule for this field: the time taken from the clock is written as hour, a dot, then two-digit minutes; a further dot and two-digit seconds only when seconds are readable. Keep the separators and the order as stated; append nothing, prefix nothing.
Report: 12.21.25
